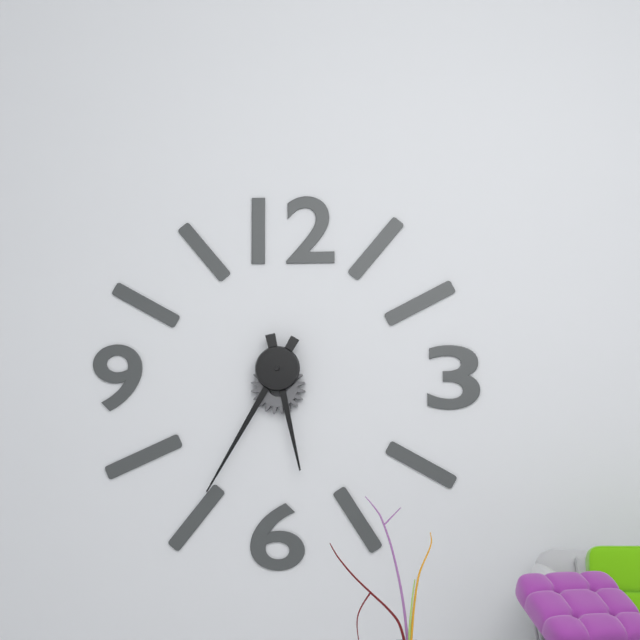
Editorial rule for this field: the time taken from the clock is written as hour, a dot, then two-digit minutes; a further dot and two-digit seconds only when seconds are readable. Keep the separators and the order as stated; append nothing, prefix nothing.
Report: 5.35
